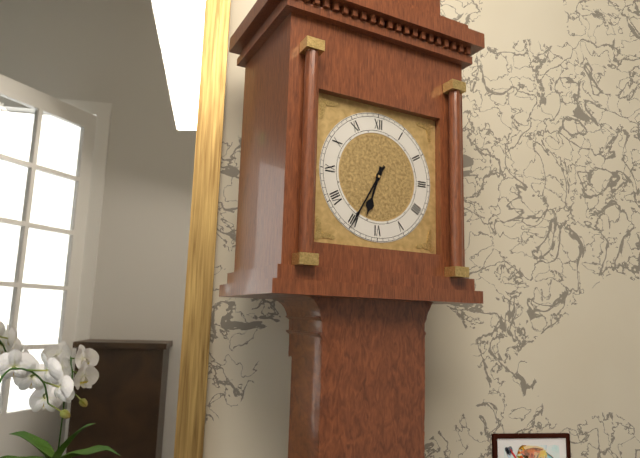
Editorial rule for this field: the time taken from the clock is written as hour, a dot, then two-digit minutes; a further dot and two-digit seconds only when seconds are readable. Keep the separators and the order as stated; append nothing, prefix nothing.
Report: 6.35
